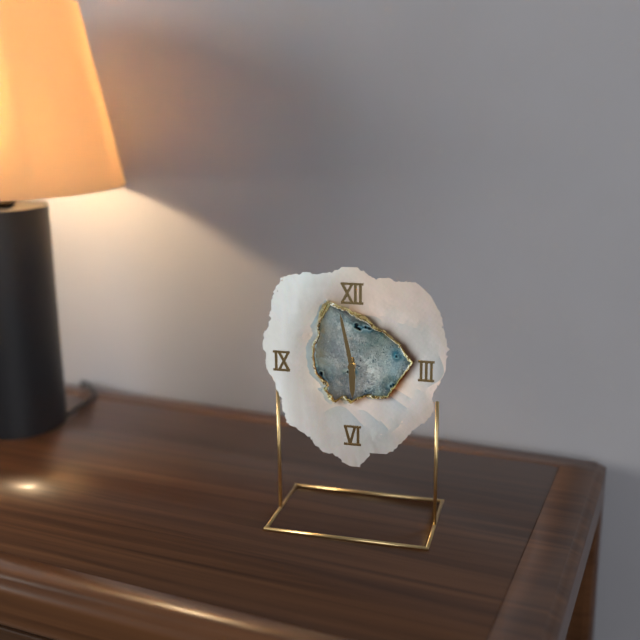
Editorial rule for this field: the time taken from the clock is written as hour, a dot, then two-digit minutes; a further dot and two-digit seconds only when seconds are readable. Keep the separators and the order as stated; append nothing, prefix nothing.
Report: 5.58
